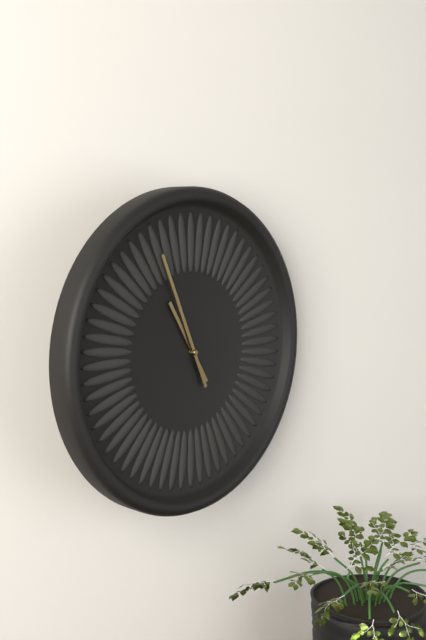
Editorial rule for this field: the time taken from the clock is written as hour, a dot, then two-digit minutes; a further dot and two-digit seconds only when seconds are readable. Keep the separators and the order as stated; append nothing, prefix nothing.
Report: 10.56
